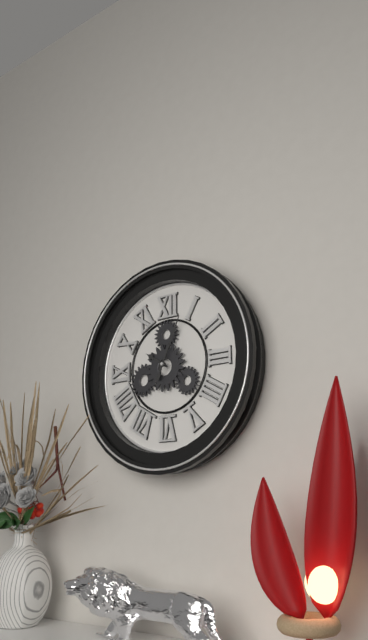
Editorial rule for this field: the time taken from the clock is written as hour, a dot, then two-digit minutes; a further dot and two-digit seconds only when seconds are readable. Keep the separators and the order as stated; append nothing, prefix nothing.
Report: 10.04
